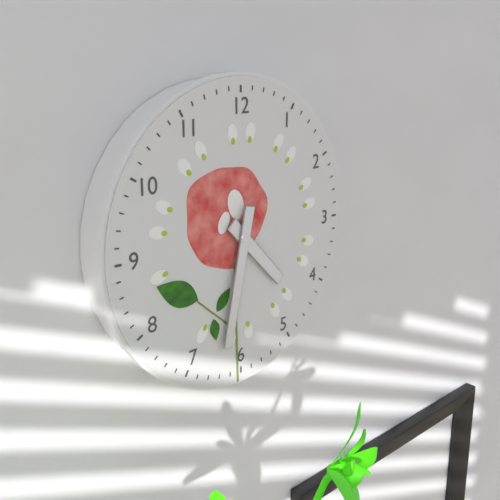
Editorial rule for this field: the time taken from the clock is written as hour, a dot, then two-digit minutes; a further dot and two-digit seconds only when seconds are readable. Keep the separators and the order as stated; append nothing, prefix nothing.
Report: 4.32
